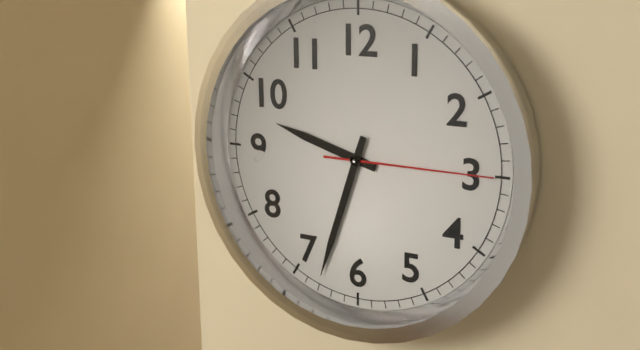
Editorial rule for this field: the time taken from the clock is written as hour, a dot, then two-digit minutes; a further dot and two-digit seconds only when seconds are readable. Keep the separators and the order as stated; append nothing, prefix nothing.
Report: 9.33.15
